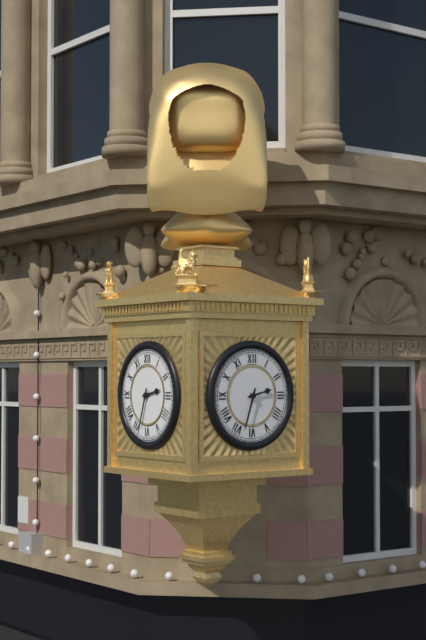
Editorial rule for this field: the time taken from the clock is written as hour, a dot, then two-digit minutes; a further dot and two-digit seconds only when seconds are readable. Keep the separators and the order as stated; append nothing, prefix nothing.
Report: 2.33
